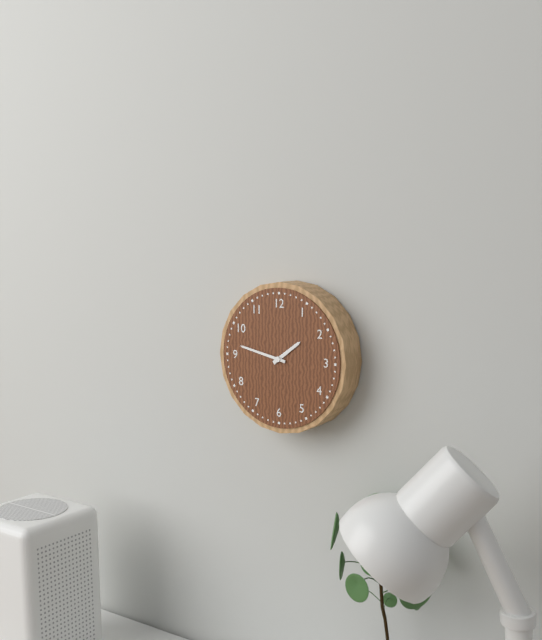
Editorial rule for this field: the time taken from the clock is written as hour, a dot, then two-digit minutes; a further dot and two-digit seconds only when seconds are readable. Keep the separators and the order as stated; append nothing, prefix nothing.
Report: 1.47
